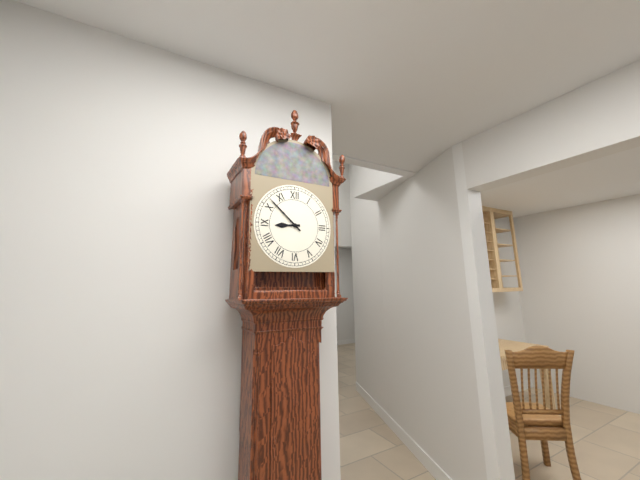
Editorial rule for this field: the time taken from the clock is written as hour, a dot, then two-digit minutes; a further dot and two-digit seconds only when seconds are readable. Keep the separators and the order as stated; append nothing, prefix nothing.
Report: 8.52
